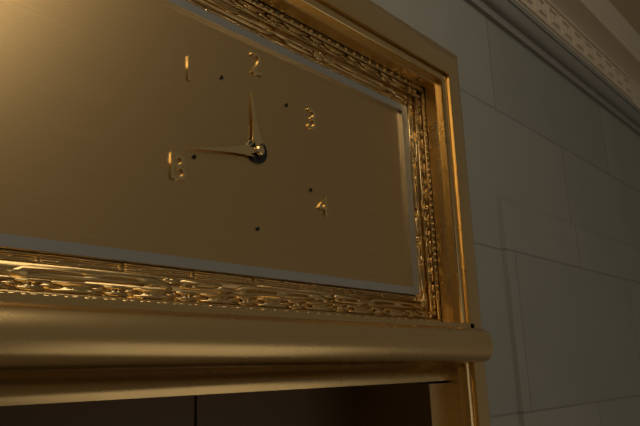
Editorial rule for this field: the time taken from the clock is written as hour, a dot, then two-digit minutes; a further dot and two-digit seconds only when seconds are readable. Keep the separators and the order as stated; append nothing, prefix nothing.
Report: 11.43
